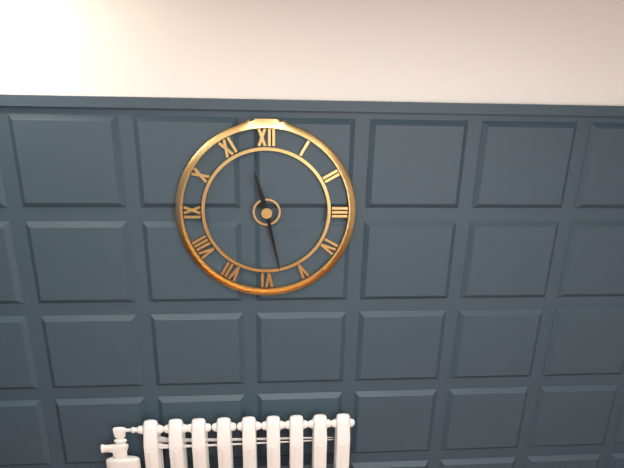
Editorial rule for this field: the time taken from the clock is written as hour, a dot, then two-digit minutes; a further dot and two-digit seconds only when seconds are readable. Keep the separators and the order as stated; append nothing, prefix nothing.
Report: 11.28
